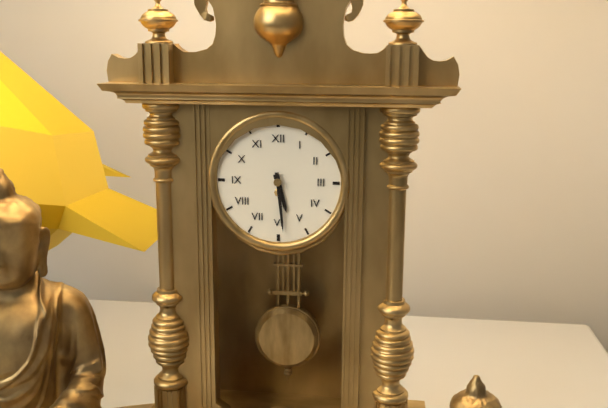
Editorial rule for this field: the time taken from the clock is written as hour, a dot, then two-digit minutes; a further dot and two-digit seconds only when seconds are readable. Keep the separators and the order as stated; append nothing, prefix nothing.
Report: 5.29
